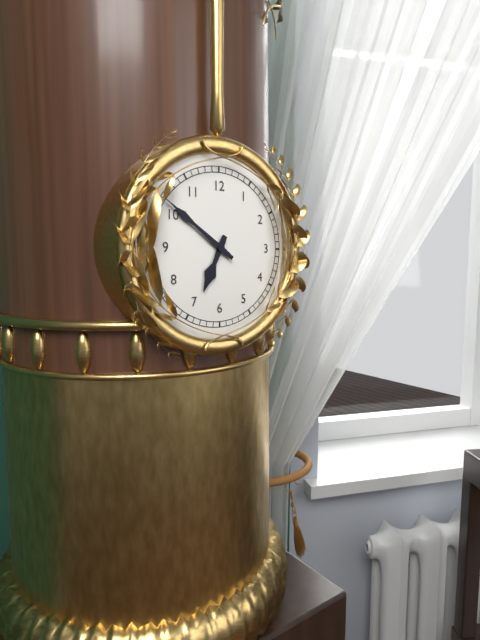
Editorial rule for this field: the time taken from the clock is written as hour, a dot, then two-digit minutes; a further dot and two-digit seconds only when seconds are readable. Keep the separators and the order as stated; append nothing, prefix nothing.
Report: 6.51
